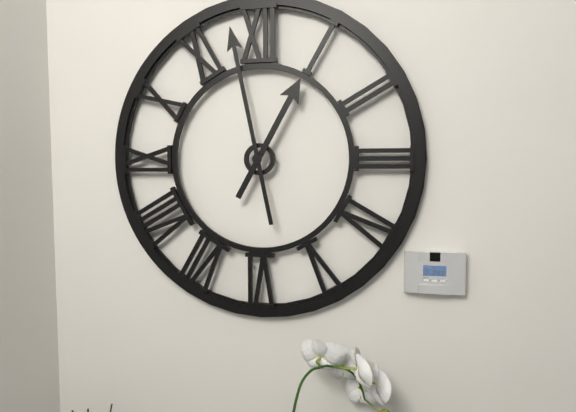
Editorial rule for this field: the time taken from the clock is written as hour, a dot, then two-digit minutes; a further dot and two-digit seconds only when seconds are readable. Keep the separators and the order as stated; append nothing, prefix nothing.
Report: 12.58
